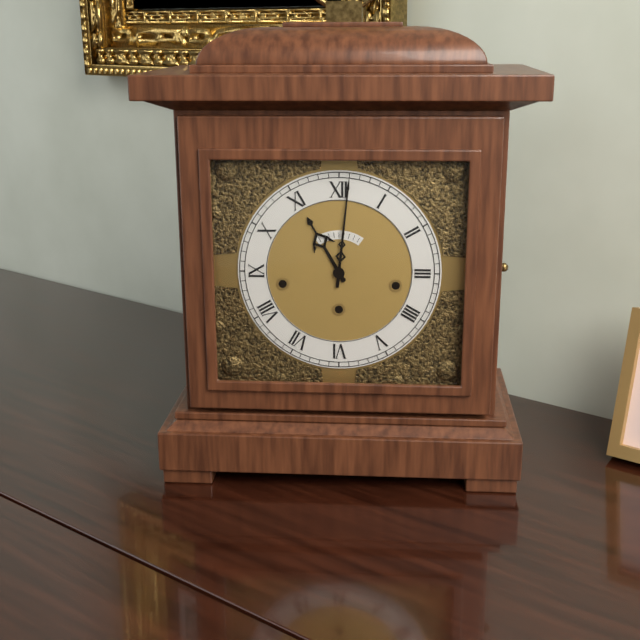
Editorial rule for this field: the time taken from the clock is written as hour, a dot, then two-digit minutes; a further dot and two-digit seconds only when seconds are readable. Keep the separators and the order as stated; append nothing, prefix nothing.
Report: 11.01
